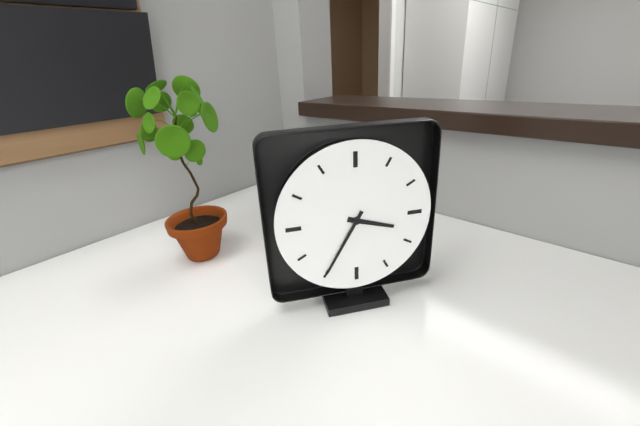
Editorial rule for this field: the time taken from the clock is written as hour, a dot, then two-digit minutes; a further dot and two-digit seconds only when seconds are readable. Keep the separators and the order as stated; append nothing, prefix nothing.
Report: 3.35
